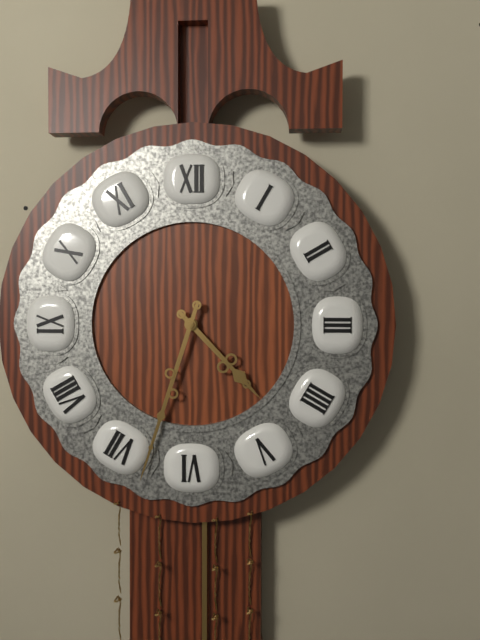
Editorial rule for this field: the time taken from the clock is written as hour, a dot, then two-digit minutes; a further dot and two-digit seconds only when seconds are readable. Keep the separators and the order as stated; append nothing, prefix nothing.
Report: 4.33
